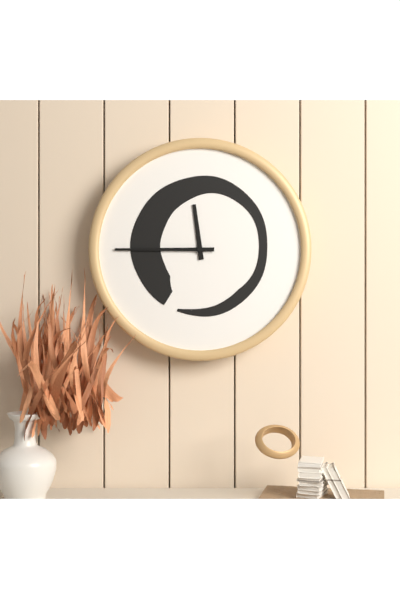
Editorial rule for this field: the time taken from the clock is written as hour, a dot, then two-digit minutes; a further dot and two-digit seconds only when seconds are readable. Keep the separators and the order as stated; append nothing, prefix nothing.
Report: 11.45
